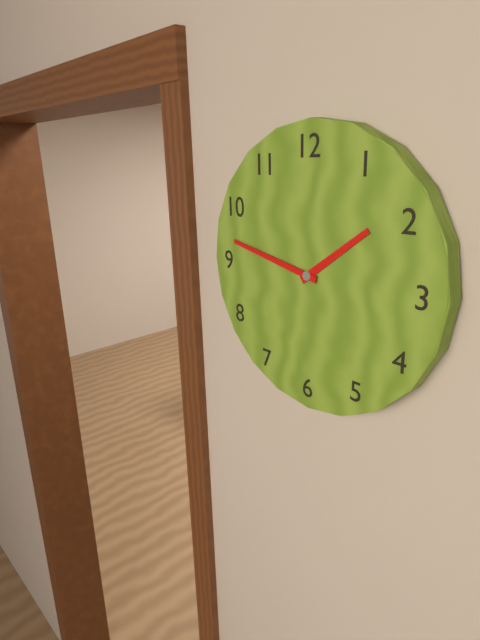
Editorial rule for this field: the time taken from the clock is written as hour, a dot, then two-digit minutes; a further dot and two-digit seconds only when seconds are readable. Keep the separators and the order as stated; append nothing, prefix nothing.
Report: 1.47
